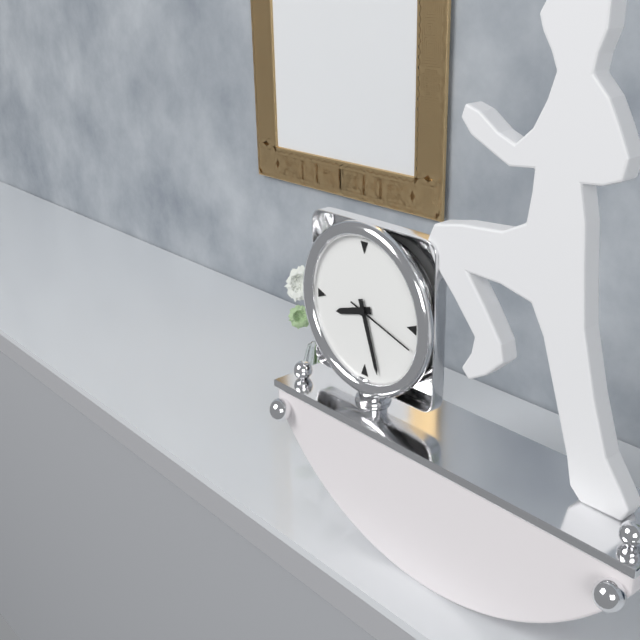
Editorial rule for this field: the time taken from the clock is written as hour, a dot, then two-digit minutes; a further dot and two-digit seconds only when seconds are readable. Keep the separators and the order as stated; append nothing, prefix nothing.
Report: 8.27.18
